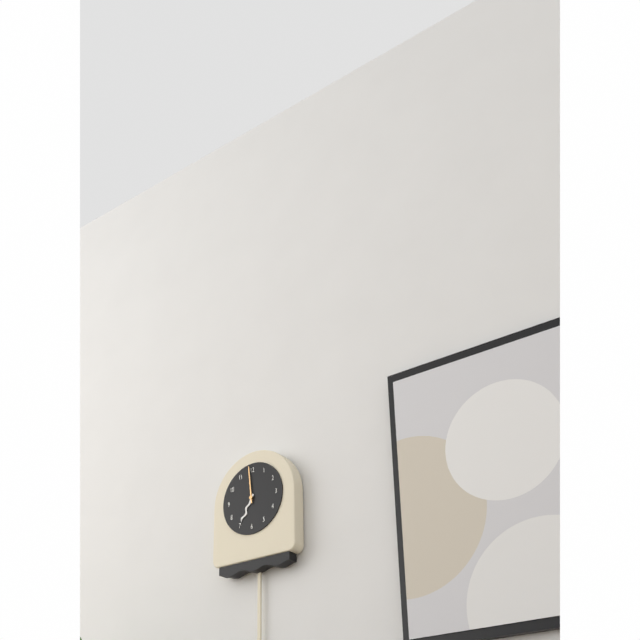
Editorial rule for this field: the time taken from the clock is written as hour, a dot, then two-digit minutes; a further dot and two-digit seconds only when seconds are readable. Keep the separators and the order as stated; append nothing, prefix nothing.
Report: 6.59
